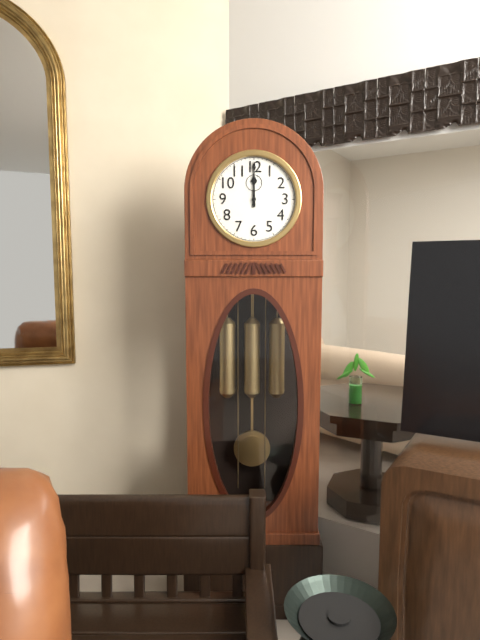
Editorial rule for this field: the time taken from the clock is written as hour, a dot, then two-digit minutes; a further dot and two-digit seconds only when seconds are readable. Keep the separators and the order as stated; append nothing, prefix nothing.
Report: 12.00
